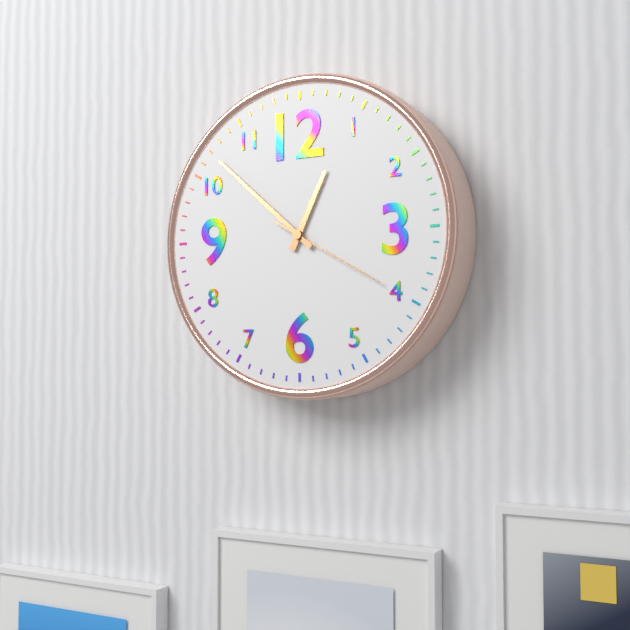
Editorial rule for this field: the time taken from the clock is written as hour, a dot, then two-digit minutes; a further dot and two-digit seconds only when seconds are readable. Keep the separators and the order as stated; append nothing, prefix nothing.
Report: 12.52.20
